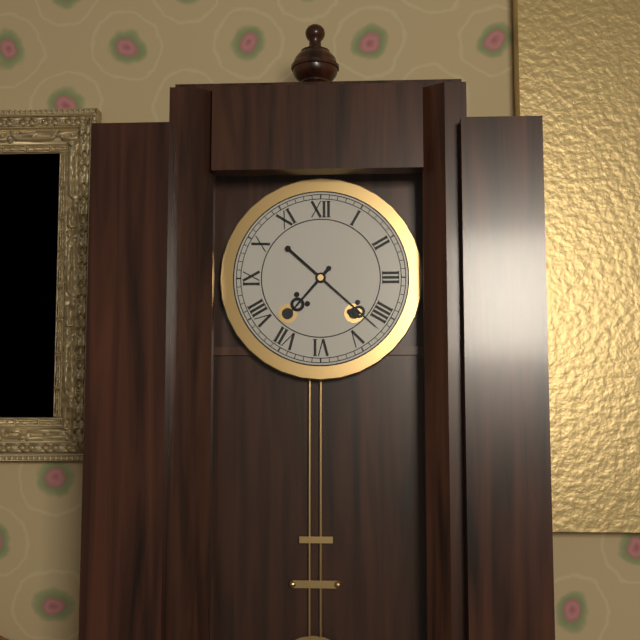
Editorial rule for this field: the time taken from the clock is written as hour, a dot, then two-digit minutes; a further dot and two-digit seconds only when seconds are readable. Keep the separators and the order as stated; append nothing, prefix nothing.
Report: 7.22
